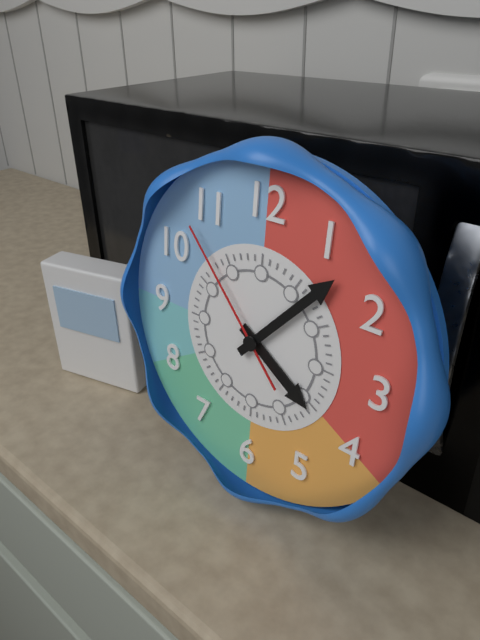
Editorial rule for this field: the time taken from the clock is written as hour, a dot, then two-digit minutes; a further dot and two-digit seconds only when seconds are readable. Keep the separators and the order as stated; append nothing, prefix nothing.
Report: 4.07.53
